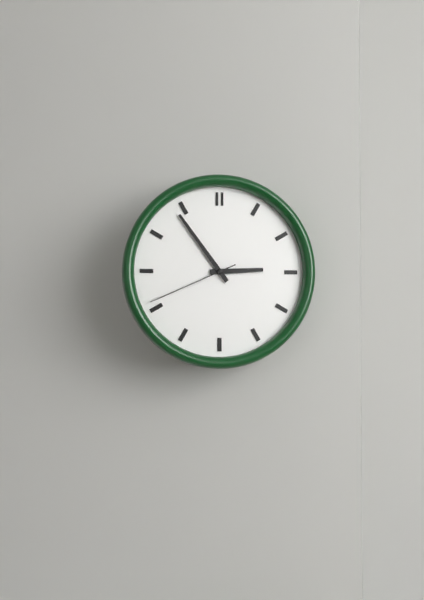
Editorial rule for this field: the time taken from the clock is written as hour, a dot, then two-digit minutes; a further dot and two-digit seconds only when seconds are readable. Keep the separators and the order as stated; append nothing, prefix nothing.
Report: 2.54.41
